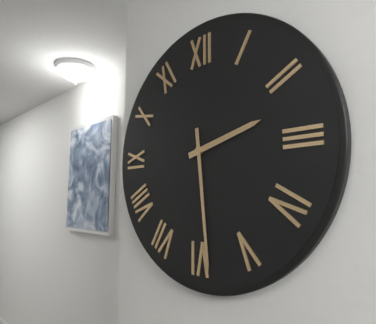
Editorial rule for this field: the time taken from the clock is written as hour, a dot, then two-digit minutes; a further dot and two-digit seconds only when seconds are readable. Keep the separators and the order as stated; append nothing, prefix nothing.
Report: 2.29
